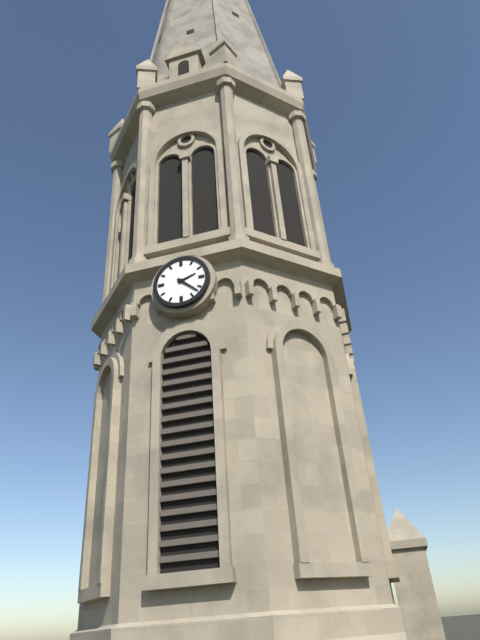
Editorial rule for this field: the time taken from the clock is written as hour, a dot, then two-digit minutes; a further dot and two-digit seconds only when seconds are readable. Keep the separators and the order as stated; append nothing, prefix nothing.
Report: 2.22
